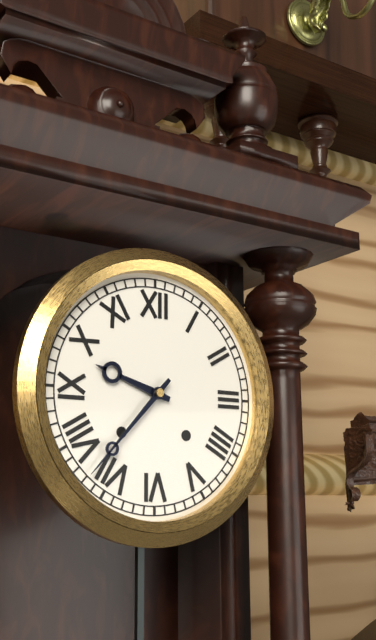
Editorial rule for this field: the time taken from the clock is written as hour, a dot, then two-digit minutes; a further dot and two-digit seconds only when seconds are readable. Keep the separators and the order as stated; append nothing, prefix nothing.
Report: 9.37
